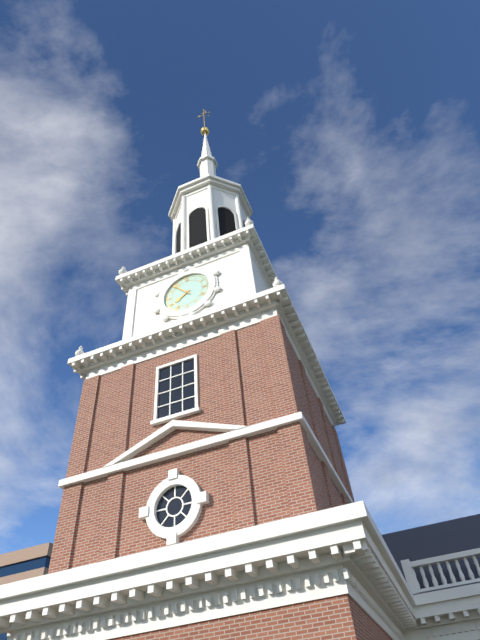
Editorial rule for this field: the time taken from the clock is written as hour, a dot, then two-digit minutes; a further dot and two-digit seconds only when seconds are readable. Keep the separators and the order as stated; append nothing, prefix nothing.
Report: 7.53
